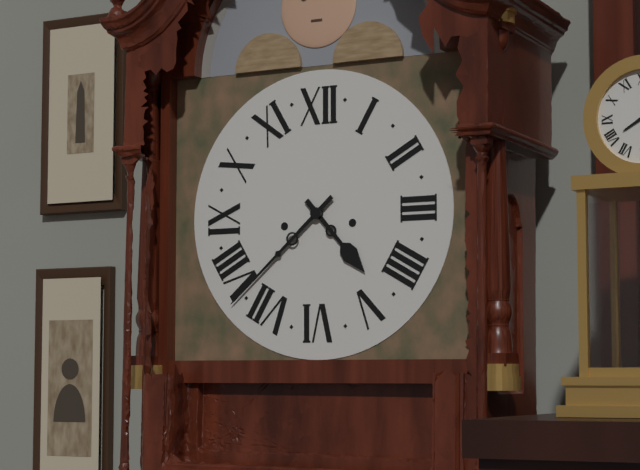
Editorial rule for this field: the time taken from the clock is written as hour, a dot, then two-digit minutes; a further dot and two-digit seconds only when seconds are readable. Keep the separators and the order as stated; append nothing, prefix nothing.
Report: 4.38
